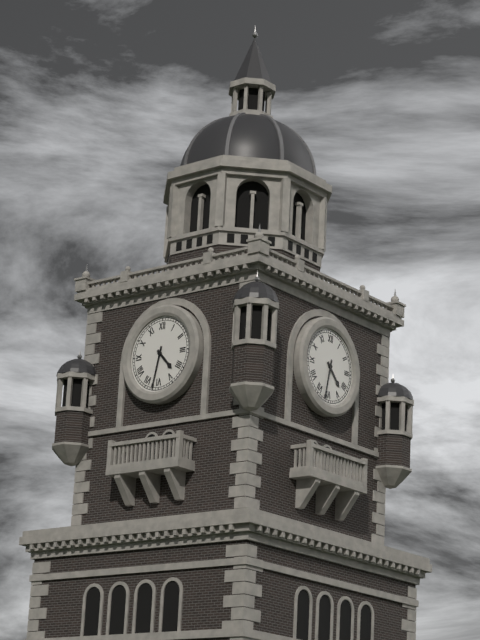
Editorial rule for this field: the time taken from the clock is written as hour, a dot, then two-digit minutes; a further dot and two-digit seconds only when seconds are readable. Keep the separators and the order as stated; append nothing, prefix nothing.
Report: 4.32
